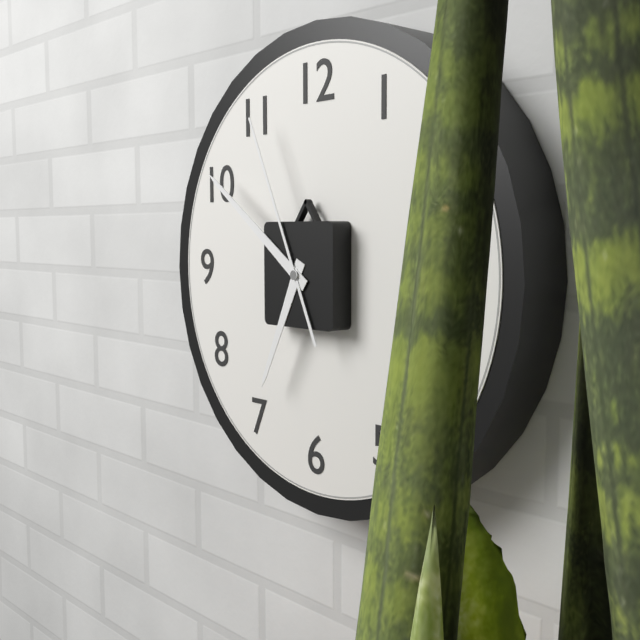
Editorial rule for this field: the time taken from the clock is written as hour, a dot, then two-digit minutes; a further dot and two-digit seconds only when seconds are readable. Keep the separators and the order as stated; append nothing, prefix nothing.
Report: 6.51.56
